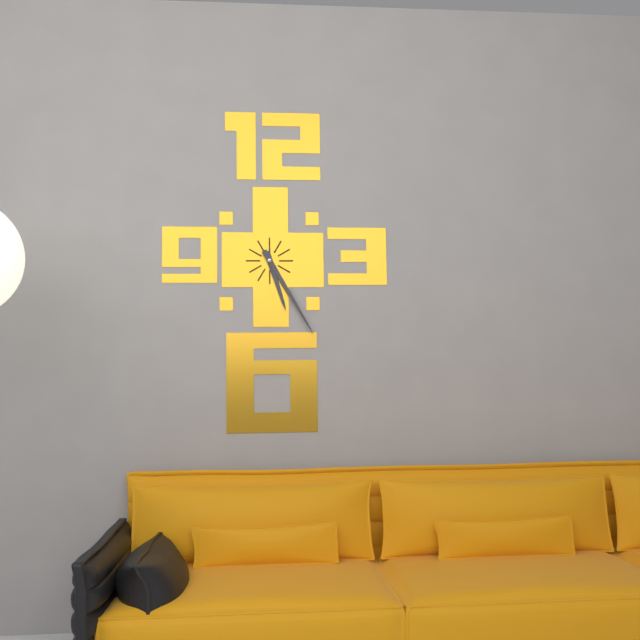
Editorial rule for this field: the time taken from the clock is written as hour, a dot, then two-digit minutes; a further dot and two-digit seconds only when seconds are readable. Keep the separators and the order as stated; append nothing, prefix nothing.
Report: 5.25
